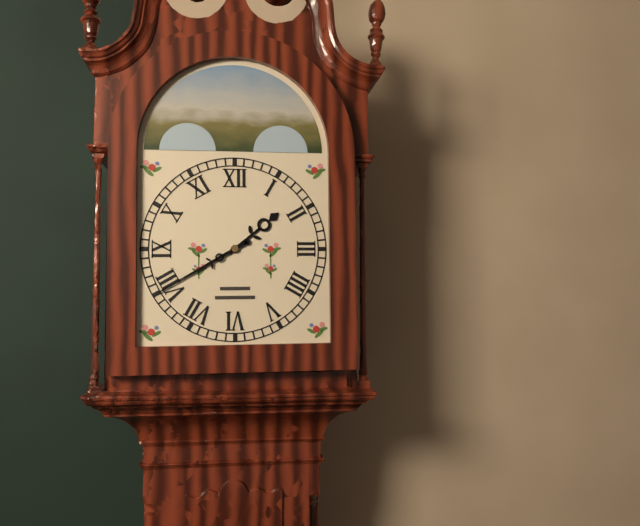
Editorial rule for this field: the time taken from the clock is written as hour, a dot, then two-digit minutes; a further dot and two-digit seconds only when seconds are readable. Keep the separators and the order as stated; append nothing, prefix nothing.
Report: 1.40
